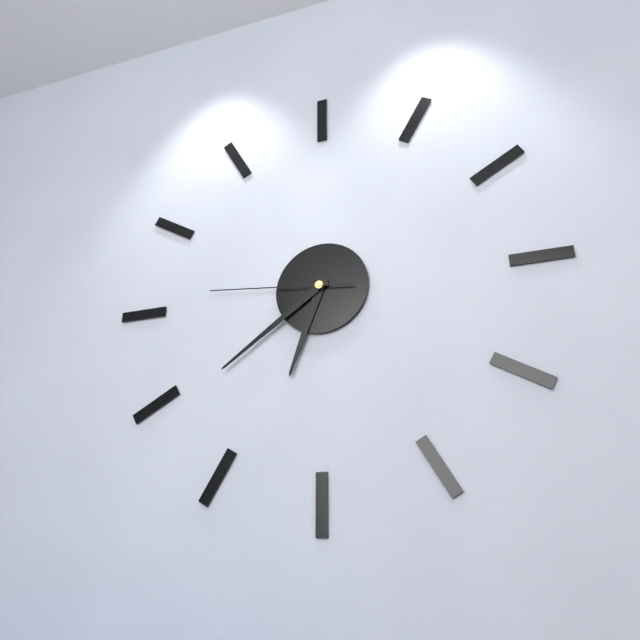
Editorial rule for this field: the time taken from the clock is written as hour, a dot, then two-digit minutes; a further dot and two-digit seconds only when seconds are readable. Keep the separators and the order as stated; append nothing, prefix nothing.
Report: 6.39.46
